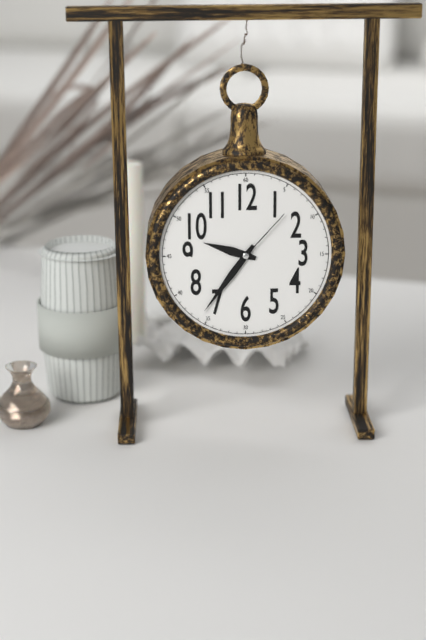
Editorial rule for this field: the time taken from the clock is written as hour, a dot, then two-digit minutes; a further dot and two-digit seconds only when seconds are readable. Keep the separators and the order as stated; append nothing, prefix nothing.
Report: 9.36.07
